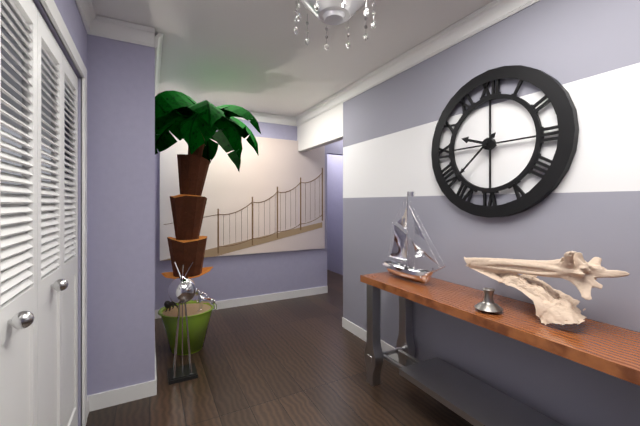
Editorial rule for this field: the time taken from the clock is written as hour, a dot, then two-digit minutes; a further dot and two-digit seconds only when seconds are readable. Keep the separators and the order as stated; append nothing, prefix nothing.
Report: 9.38
